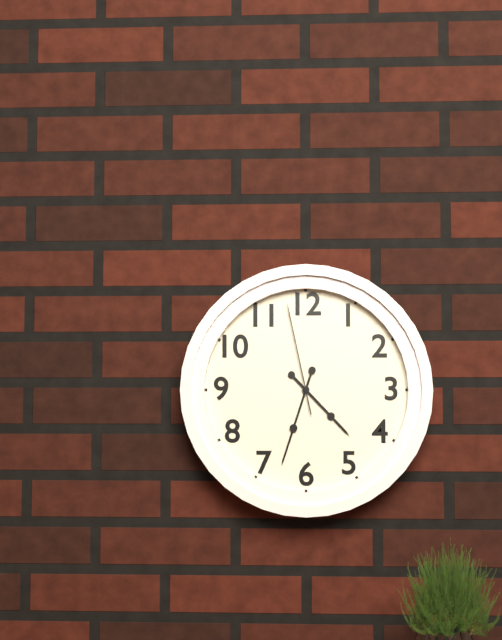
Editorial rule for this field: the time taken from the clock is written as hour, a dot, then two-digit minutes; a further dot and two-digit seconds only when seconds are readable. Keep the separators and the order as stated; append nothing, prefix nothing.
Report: 4.33.58
